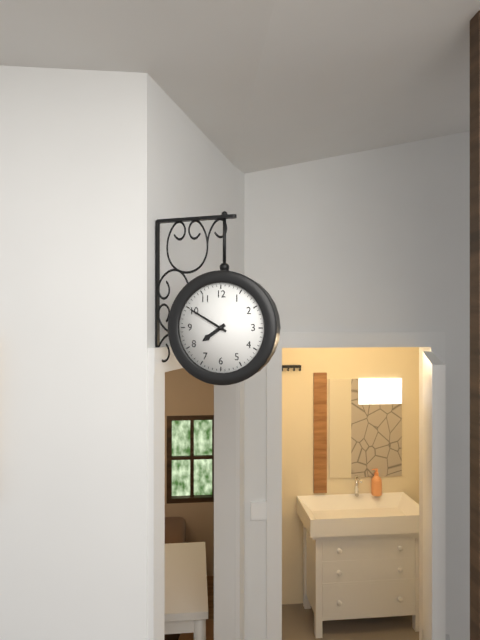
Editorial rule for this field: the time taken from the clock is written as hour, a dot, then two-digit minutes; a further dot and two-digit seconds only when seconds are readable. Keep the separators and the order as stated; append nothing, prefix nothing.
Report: 7.50
